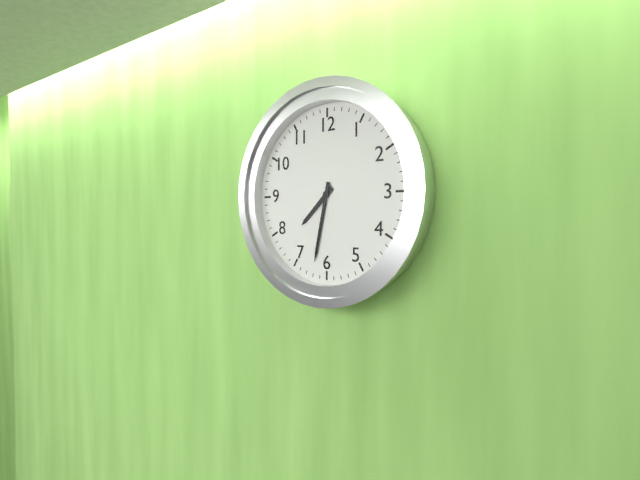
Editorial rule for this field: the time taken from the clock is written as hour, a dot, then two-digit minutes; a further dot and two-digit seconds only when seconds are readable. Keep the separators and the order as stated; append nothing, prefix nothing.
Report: 7.32
